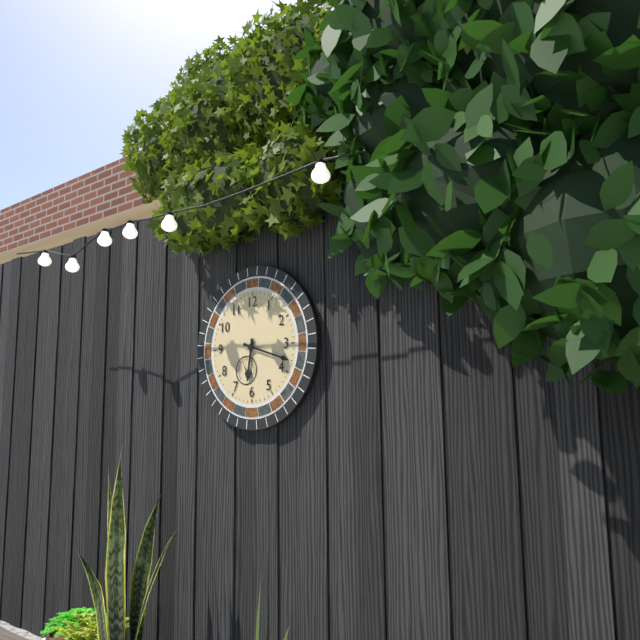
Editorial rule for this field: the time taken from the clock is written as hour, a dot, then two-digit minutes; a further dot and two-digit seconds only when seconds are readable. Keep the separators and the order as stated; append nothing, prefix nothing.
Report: 6.18
